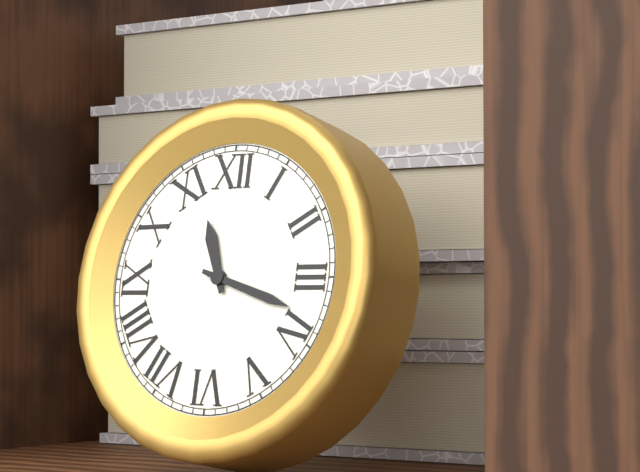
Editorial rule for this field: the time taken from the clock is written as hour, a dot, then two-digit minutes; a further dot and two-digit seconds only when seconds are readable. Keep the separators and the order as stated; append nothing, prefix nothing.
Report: 11.18
